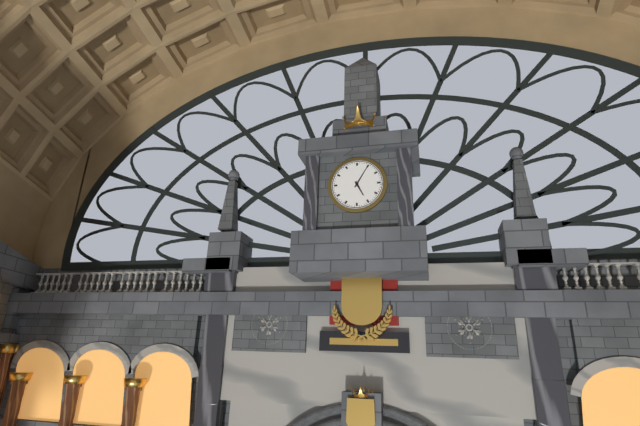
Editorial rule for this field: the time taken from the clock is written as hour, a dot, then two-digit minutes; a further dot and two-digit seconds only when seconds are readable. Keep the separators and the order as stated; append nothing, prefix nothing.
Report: 5.05
